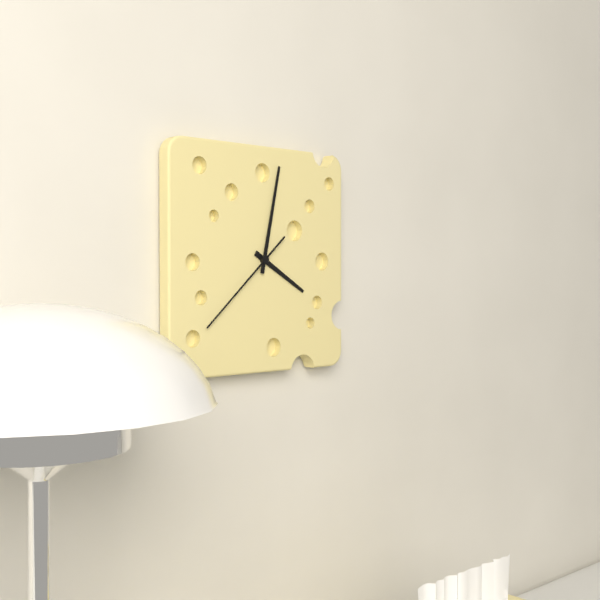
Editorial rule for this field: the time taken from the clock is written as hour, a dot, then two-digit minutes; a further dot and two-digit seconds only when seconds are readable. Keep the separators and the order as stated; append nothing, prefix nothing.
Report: 4.02.38
